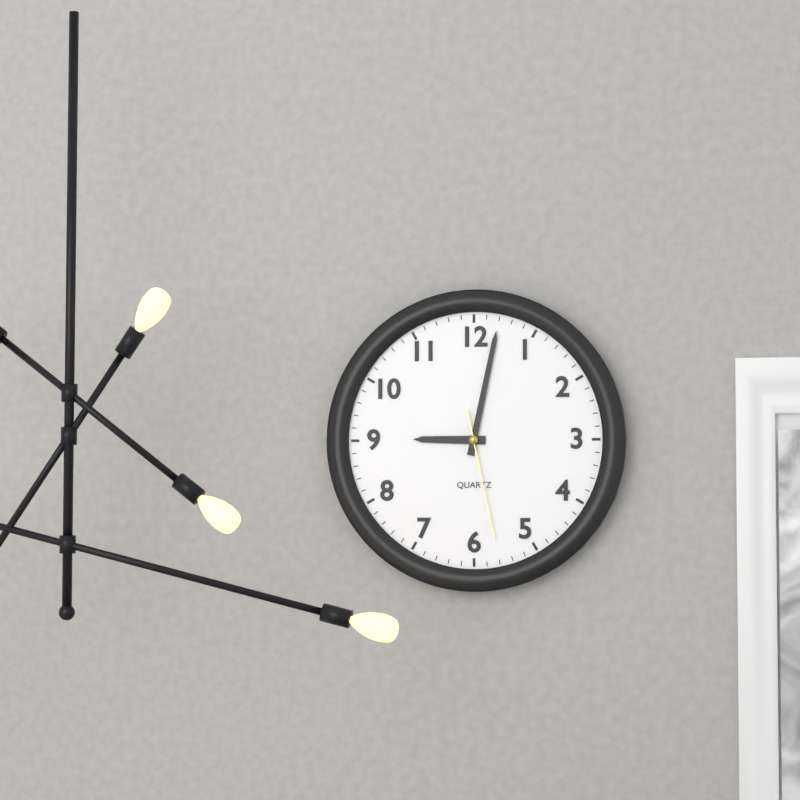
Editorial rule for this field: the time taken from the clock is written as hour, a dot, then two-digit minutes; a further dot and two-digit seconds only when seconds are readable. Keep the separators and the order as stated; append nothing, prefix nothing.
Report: 9.02.28
